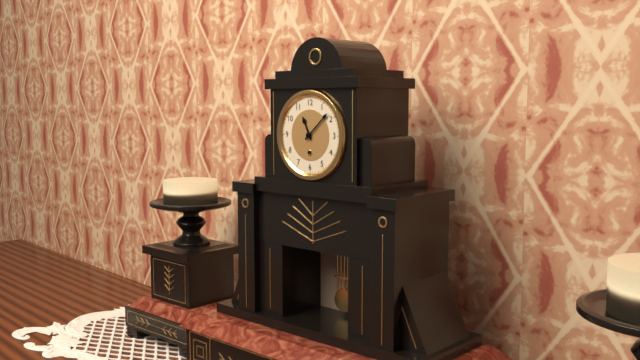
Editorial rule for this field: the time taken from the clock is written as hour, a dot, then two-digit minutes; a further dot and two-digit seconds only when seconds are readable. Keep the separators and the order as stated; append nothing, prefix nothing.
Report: 11.08
